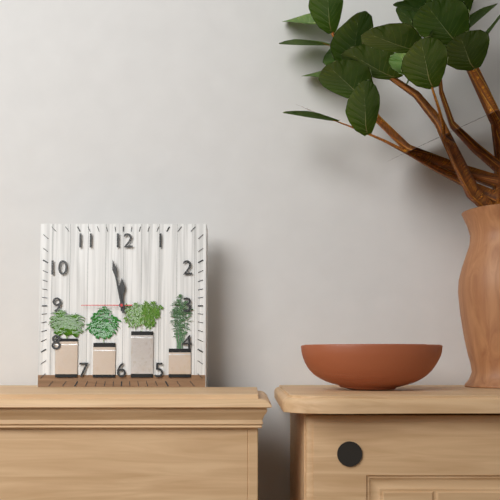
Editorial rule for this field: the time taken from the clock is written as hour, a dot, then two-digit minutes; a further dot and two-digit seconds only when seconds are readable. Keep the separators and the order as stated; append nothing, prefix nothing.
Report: 11.58.45
